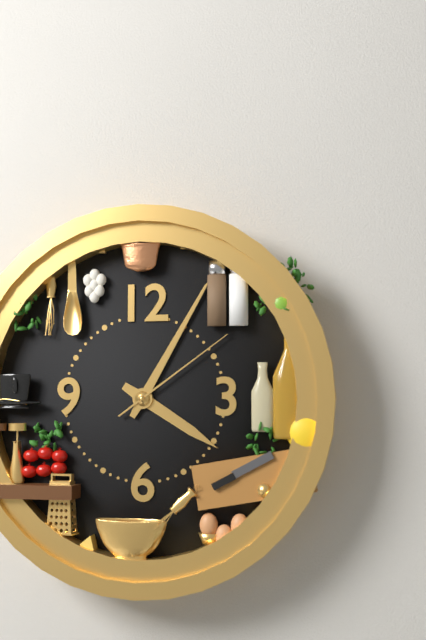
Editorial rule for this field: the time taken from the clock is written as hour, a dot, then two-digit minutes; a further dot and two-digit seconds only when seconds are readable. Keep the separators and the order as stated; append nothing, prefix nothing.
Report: 4.05.09
